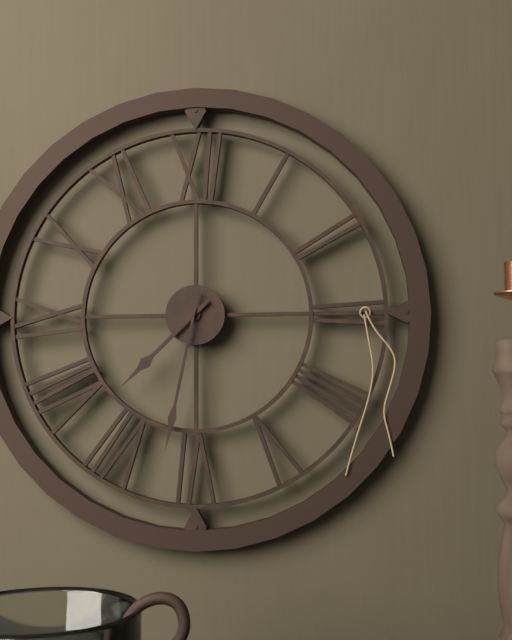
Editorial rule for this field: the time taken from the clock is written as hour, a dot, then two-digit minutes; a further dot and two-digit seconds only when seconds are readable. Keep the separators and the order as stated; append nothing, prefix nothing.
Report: 7.32
